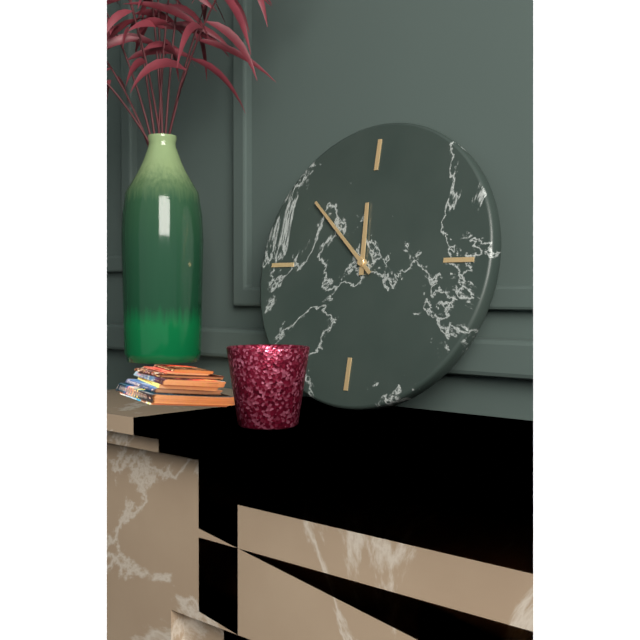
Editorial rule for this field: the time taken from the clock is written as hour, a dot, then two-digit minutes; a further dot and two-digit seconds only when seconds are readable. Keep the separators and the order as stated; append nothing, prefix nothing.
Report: 11.52
